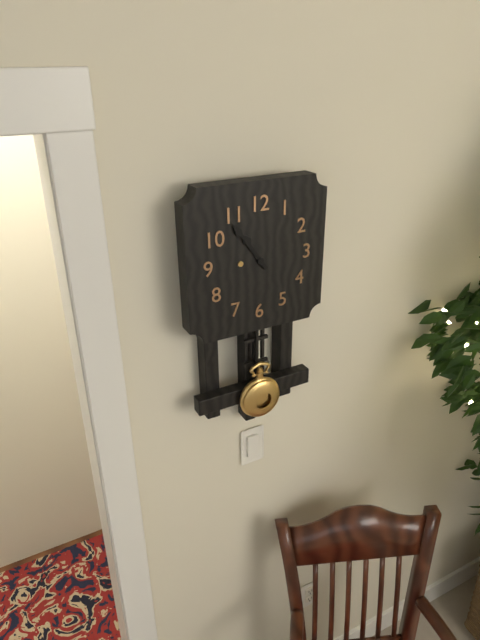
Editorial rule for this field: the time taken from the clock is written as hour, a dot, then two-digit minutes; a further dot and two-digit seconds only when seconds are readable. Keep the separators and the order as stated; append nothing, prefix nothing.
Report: 10.54
